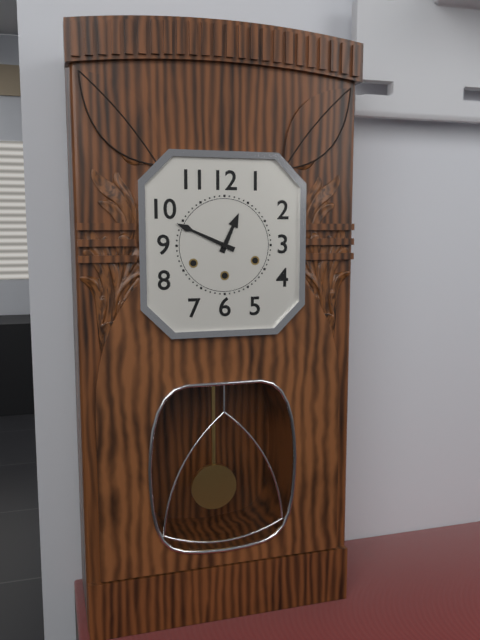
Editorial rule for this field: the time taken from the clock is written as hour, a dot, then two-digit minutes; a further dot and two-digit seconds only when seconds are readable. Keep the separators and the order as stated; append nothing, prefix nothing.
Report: 12.49
